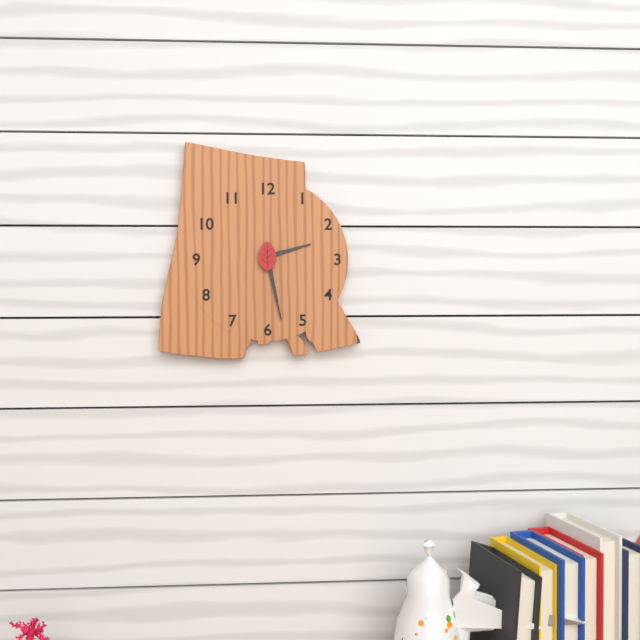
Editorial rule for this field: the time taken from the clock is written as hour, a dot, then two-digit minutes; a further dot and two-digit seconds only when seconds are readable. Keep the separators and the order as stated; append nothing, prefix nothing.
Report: 2.28
